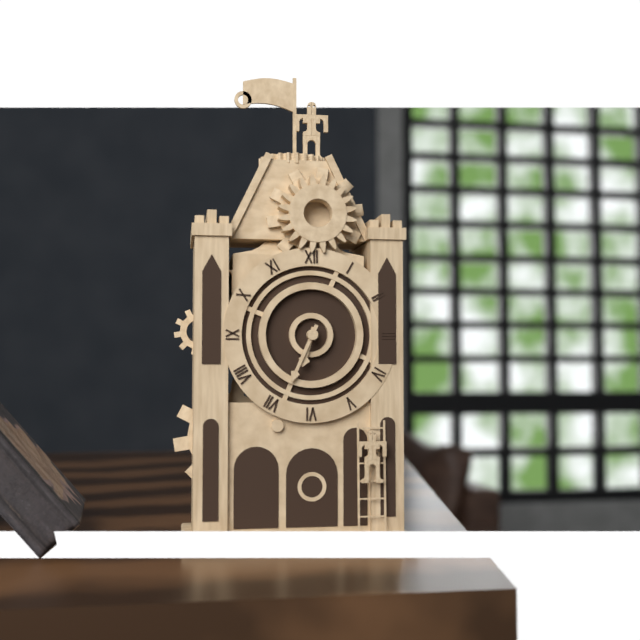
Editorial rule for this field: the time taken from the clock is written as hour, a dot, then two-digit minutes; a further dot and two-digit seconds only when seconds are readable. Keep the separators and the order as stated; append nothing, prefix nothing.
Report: 6.34
